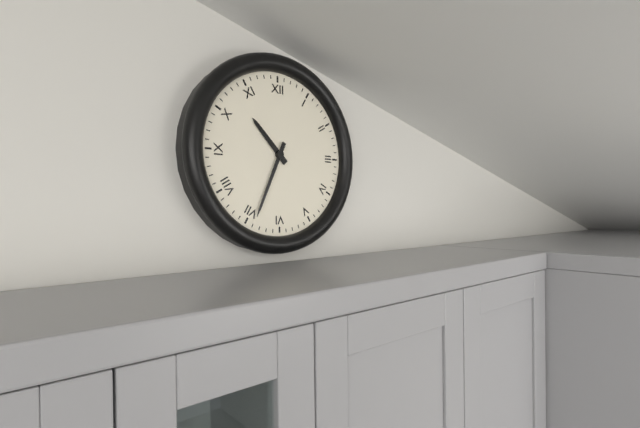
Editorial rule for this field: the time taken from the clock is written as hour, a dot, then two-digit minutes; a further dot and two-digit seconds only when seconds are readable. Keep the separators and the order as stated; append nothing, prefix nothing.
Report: 10.34
